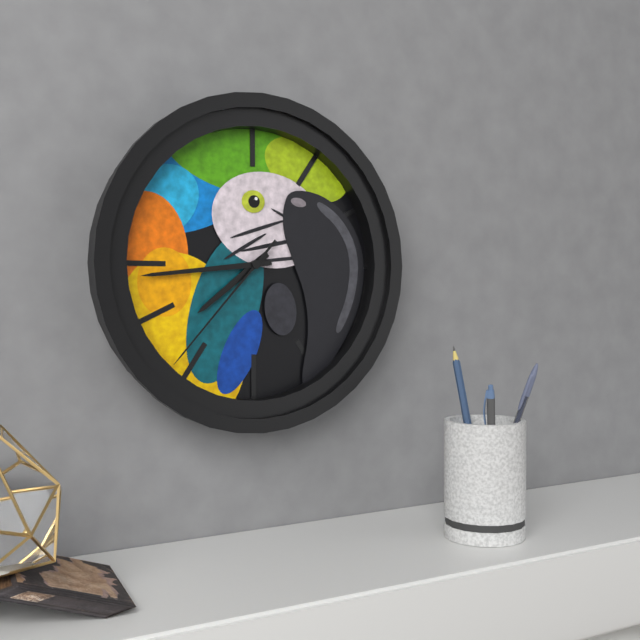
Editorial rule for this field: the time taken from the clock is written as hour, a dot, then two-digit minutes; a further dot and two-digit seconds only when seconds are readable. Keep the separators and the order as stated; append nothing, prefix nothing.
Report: 7.44.37
